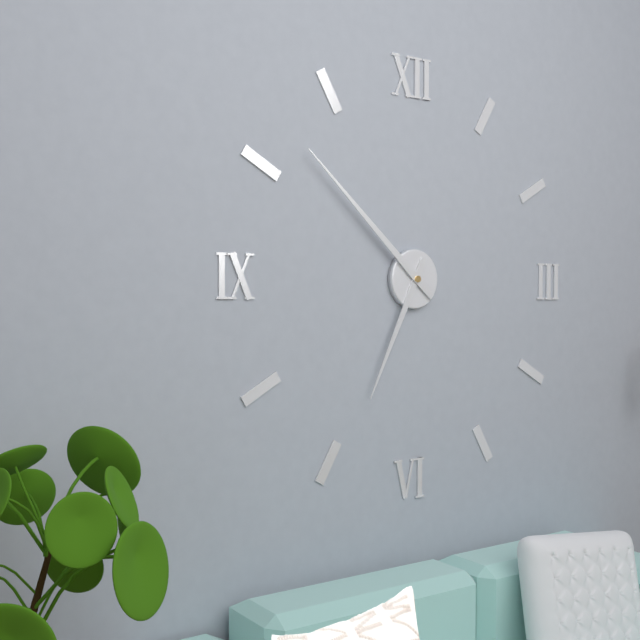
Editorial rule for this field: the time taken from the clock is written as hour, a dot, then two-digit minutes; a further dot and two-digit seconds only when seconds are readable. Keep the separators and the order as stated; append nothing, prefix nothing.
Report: 6.52
